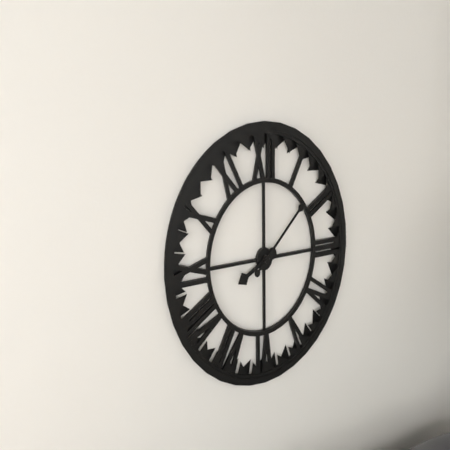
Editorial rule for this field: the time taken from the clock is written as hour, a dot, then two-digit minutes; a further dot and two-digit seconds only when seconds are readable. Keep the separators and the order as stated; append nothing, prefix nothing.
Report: 8.08
